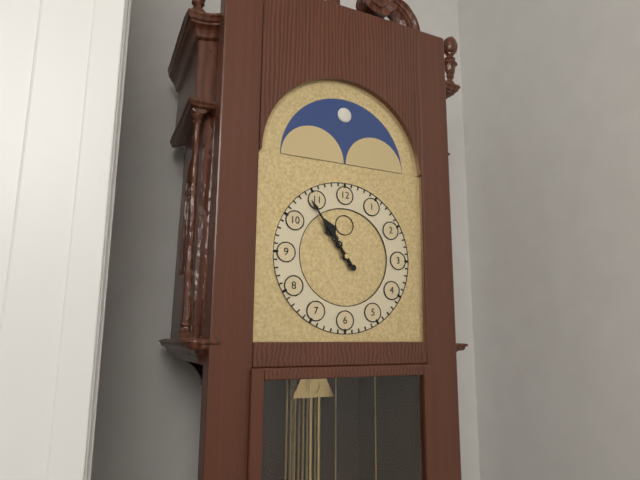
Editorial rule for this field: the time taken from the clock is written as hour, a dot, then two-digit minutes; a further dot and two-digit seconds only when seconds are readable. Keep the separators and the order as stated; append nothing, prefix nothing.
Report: 10.54
